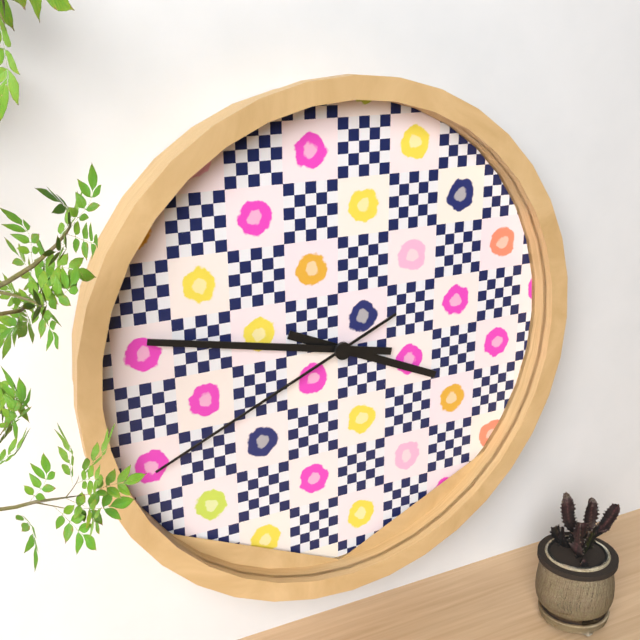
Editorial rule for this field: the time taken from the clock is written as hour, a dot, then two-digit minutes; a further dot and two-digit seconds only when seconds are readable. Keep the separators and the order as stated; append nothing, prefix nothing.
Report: 3.47.41
